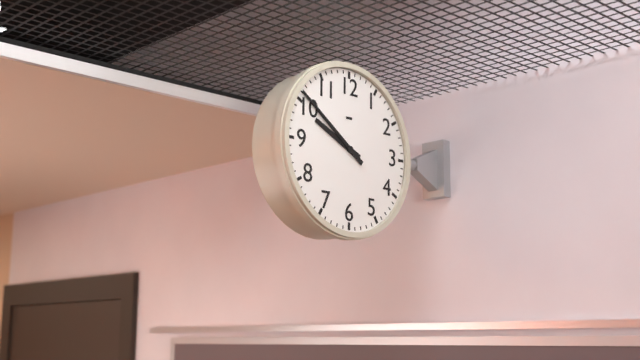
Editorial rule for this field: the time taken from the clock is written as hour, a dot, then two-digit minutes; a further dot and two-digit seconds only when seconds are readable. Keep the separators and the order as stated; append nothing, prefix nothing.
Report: 9.51
